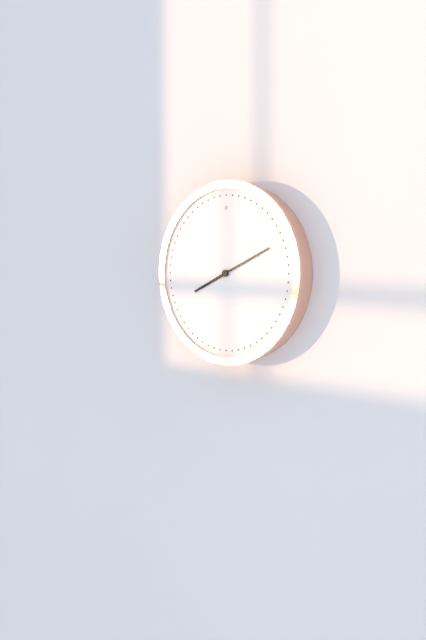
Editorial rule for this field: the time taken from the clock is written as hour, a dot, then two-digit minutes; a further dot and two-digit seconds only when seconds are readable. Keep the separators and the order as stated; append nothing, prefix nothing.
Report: 8.11
